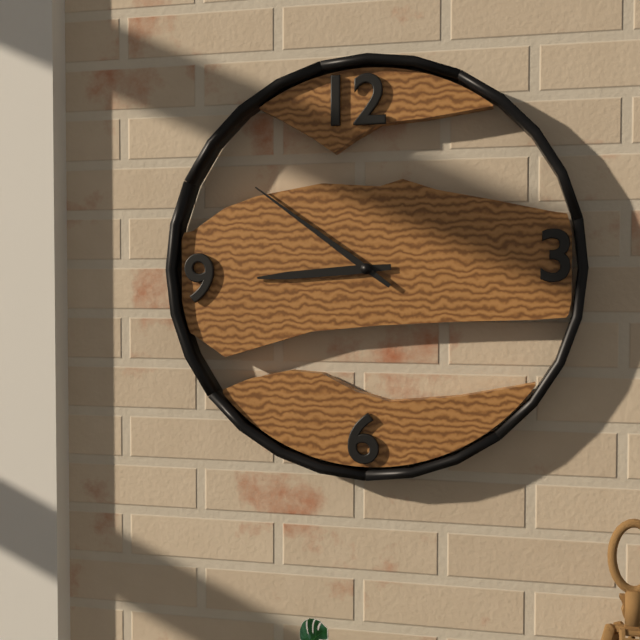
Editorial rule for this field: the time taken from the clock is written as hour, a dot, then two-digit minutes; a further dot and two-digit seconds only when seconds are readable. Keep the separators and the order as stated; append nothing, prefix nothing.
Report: 8.51
